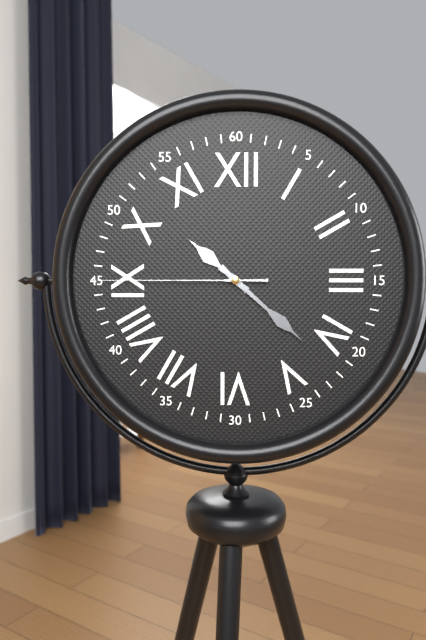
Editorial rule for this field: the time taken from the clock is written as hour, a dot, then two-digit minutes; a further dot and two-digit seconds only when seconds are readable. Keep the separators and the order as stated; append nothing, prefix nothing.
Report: 10.22.45
